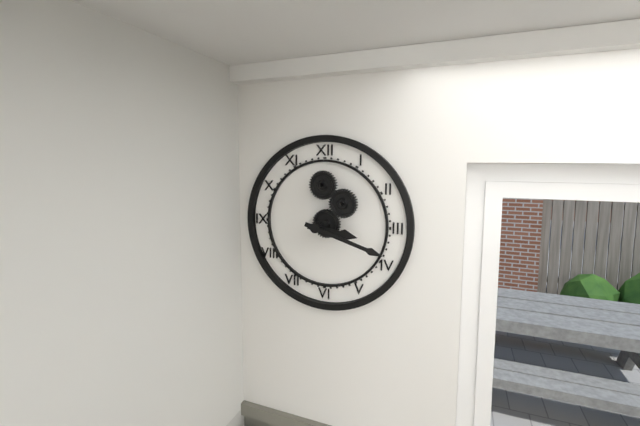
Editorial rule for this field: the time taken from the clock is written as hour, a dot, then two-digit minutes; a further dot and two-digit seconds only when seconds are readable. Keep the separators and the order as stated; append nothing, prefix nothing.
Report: 3.18
